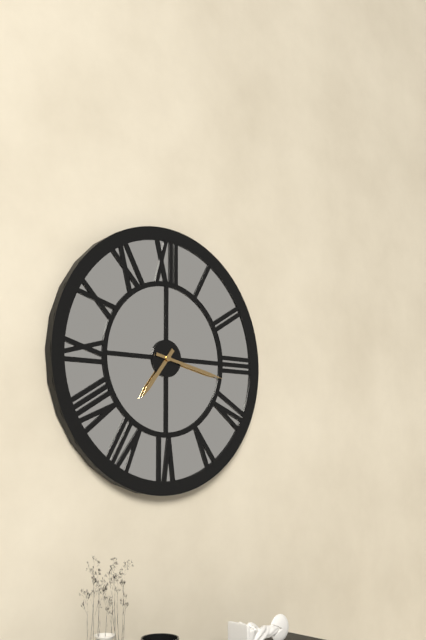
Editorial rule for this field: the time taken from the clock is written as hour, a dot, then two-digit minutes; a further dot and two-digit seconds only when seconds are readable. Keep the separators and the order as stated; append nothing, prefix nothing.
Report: 7.17
